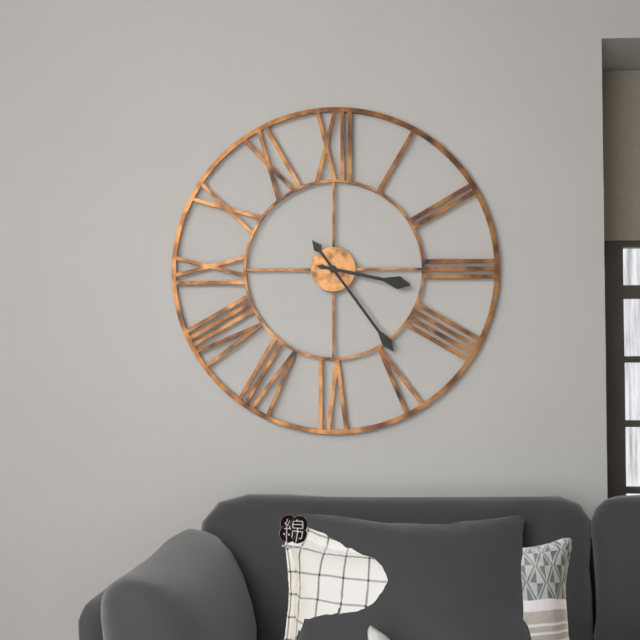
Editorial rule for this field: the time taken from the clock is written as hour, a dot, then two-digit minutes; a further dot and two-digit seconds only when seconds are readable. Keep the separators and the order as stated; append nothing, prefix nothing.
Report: 3.24
